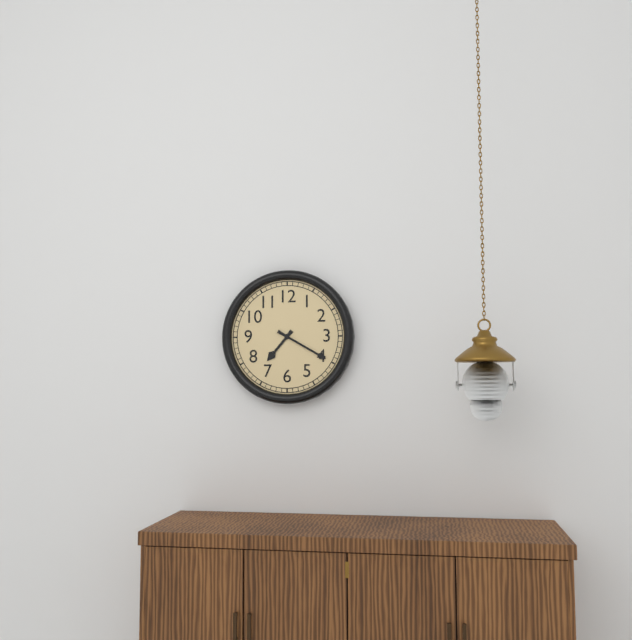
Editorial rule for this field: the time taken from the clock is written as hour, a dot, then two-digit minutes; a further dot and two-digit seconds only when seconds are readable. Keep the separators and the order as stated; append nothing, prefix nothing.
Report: 7.20
